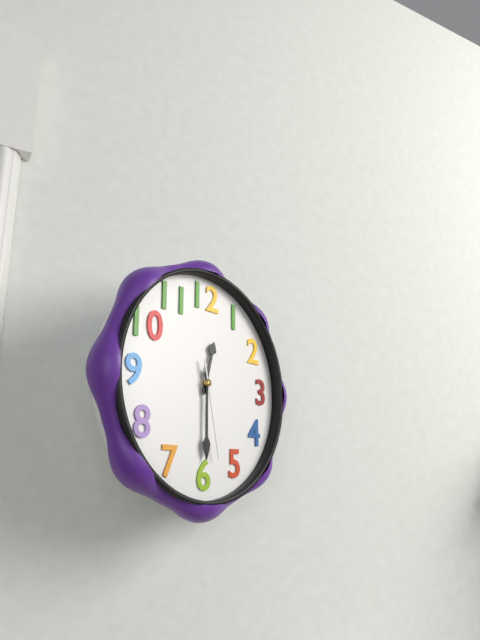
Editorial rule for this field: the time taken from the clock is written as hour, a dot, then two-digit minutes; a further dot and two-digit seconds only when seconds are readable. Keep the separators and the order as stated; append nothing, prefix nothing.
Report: 12.30.28
